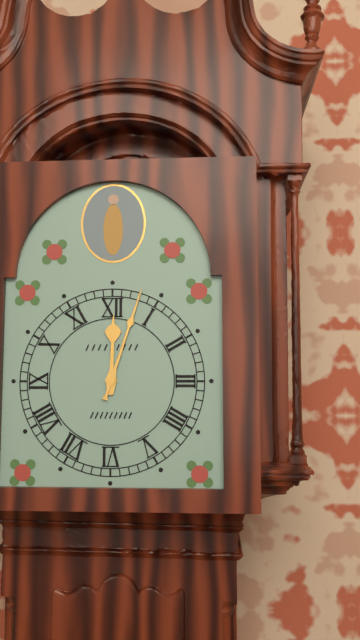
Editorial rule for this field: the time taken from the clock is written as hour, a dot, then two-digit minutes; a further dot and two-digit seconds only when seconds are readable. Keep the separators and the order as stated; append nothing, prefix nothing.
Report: 12.03
